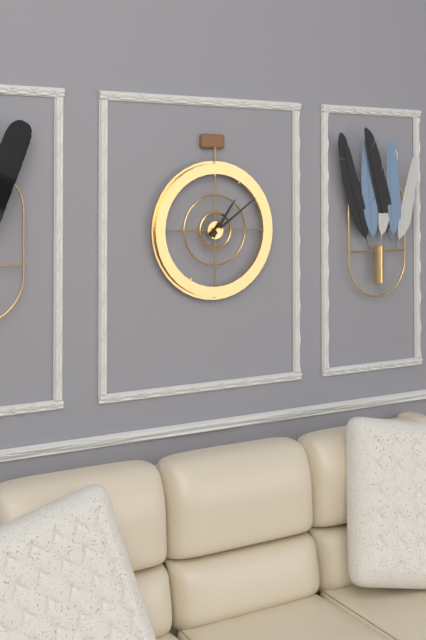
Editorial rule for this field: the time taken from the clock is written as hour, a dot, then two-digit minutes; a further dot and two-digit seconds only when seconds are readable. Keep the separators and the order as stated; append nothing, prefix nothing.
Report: 1.09
